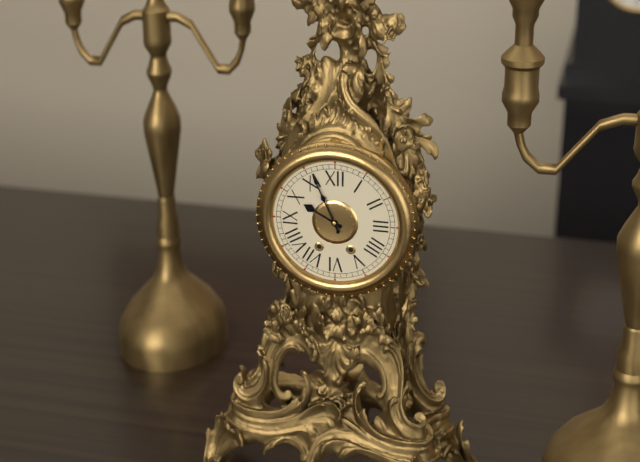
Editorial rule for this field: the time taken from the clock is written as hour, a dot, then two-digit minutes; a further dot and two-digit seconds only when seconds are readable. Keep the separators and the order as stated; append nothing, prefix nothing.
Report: 9.56
